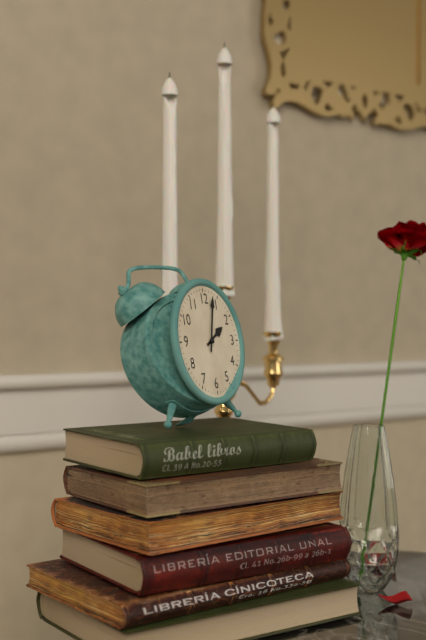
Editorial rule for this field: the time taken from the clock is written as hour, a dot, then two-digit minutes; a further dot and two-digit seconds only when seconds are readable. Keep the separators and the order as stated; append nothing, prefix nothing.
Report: 2.03
